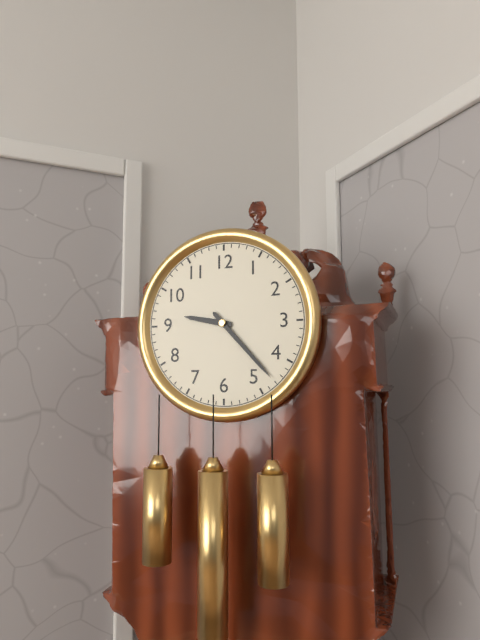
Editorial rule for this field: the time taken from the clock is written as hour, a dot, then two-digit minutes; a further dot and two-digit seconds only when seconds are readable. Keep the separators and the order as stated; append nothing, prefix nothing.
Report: 9.23
